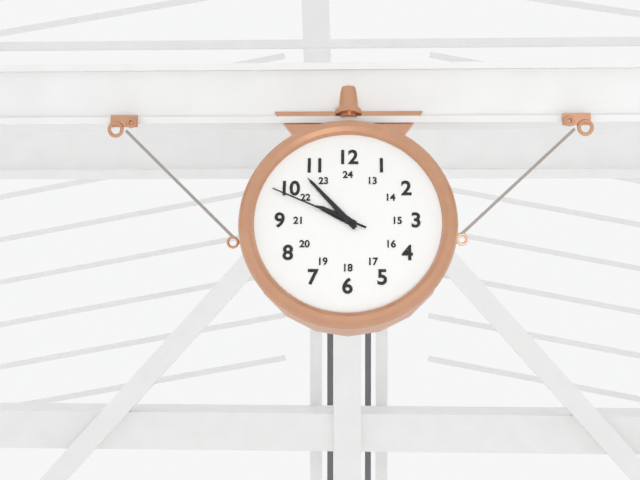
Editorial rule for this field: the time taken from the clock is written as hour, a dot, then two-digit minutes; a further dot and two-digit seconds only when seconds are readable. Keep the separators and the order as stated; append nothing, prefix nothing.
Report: 9.53.49
